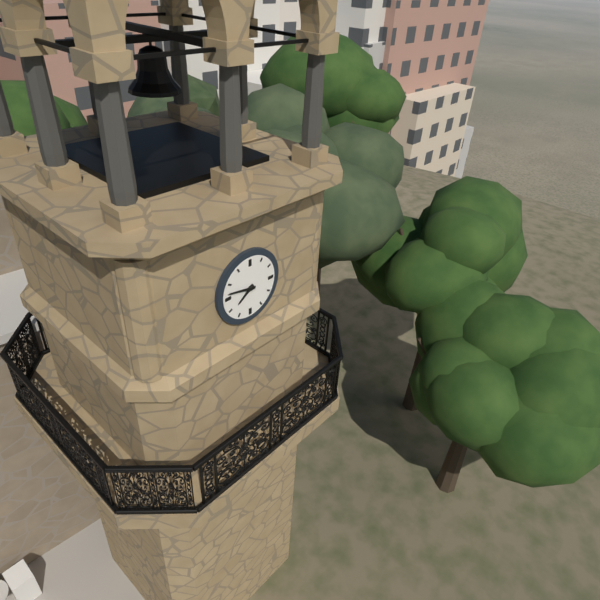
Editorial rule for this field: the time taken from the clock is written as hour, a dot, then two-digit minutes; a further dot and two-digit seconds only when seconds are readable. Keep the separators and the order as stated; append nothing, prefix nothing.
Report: 7.47
